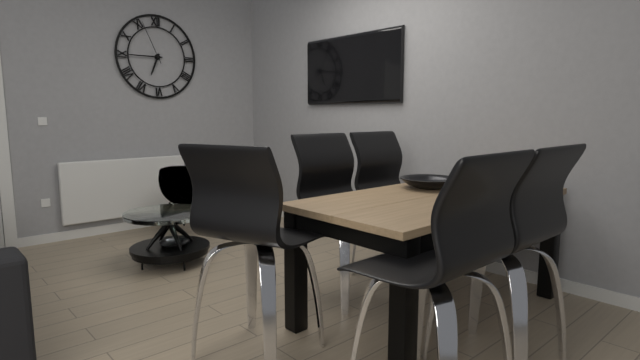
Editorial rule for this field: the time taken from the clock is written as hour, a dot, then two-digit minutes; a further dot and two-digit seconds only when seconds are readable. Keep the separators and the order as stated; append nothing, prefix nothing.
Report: 6.45
